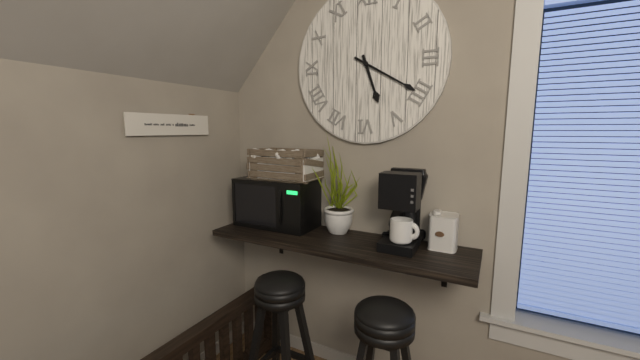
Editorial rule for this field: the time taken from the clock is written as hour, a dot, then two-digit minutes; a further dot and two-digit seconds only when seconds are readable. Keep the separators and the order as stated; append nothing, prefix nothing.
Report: 5.20
